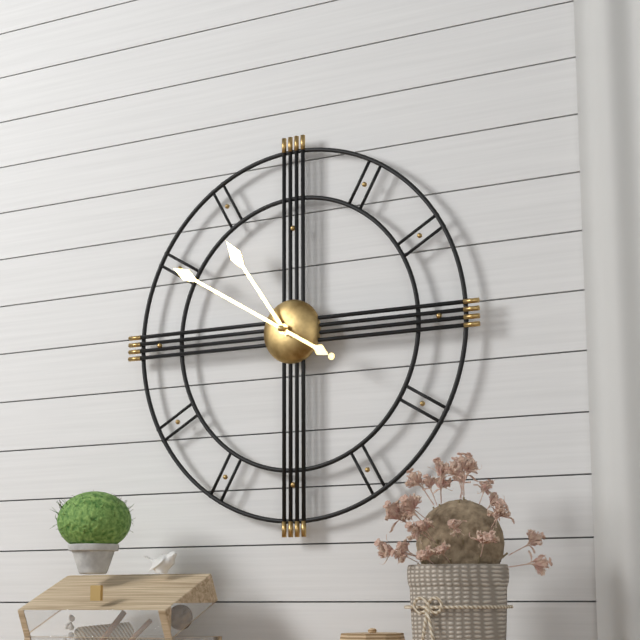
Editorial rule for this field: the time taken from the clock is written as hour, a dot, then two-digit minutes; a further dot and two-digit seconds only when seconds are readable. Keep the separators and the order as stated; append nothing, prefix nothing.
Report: 10.50
